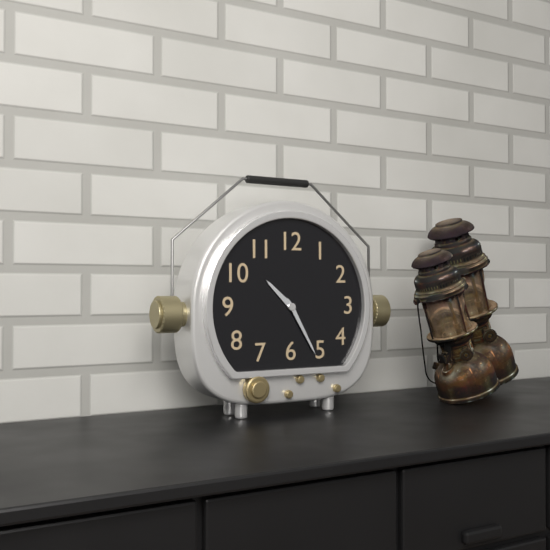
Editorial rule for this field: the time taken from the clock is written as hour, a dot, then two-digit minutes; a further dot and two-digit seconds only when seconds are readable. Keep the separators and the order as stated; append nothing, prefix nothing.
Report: 10.25
